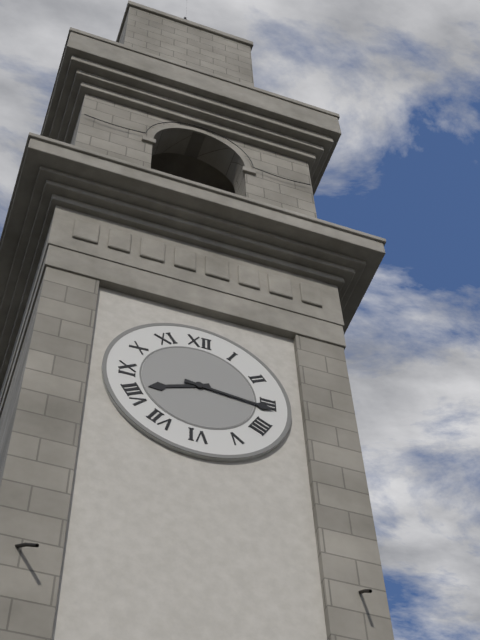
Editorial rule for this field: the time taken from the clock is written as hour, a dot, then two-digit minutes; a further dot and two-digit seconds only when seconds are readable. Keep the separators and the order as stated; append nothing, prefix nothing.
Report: 8.16
